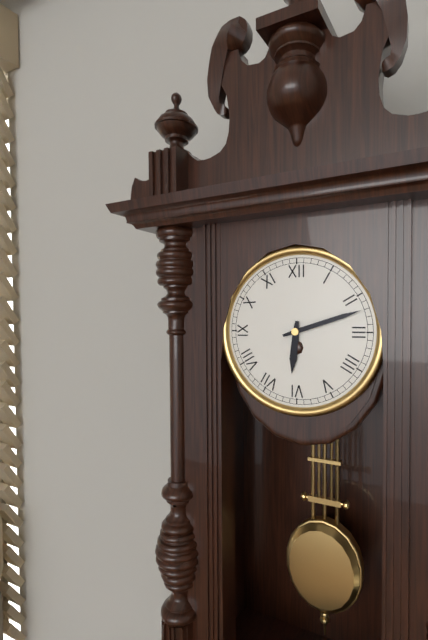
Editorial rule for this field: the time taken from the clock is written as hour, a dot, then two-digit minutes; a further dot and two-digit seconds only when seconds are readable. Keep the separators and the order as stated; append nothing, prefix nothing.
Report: 6.12
